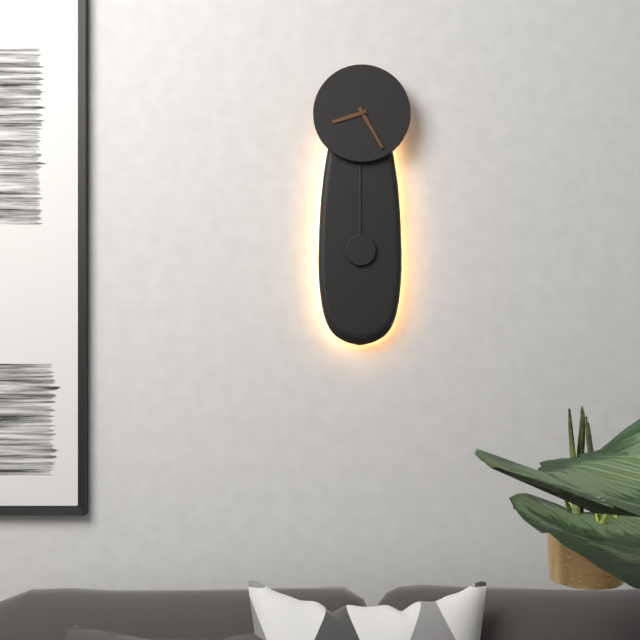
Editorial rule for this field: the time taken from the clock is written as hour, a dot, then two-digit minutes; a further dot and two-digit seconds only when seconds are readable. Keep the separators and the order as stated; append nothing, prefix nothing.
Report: 8.25
